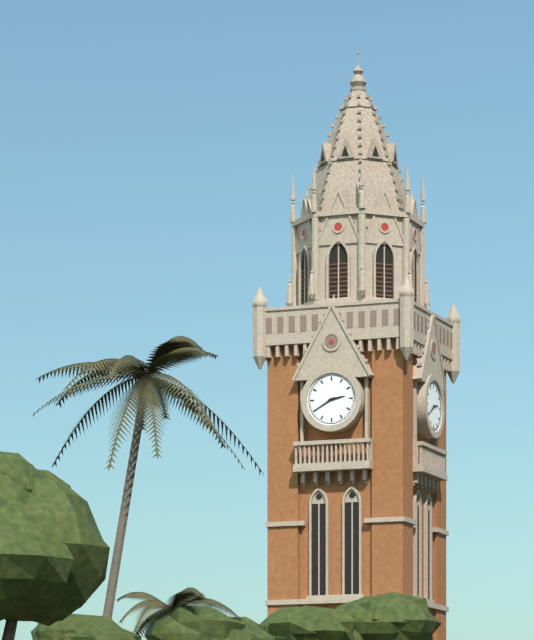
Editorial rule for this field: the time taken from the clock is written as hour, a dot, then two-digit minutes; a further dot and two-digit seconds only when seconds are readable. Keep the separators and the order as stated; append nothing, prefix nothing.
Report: 2.40
